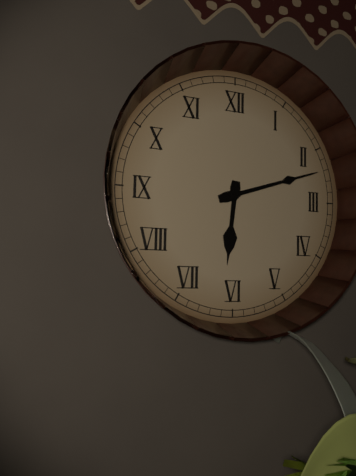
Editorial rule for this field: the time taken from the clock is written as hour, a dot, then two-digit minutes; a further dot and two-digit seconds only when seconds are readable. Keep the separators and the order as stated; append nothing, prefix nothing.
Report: 6.12
